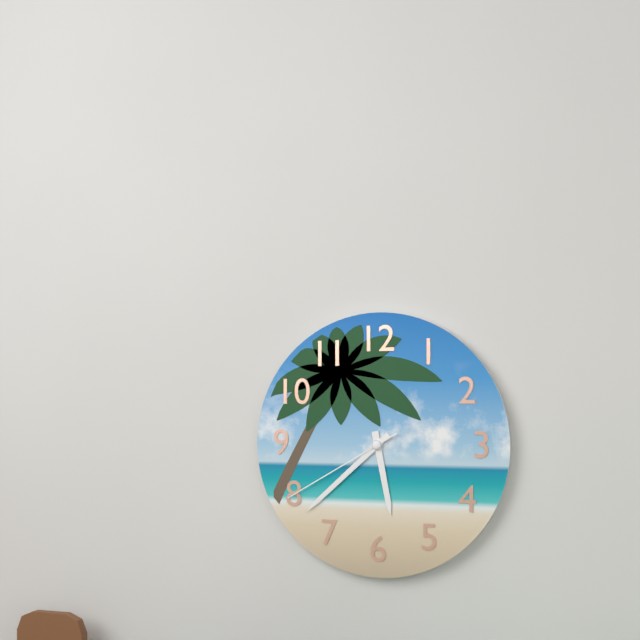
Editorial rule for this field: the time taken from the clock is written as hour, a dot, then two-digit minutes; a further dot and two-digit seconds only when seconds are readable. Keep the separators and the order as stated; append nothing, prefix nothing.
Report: 5.38.40
